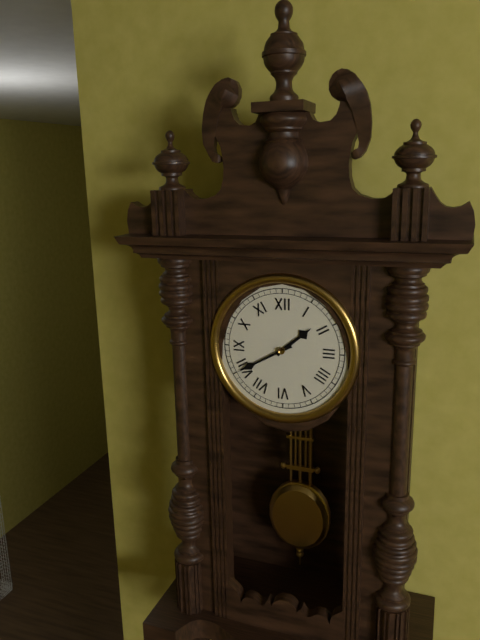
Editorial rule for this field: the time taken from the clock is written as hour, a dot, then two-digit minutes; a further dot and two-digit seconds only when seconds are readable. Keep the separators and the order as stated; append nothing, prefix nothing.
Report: 1.40
